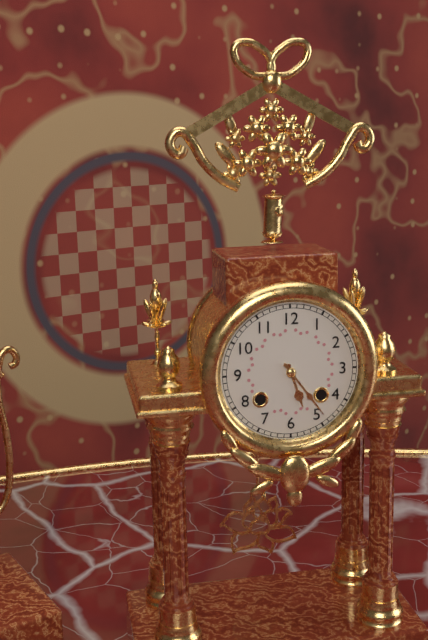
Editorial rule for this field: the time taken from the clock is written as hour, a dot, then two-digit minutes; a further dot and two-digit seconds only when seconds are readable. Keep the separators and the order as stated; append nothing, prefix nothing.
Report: 5.24
